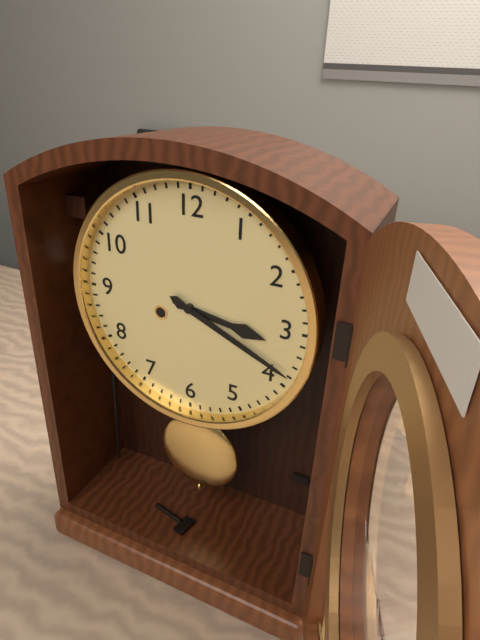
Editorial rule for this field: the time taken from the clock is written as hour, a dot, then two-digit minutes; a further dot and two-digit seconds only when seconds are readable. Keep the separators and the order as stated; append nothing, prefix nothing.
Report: 3.19
